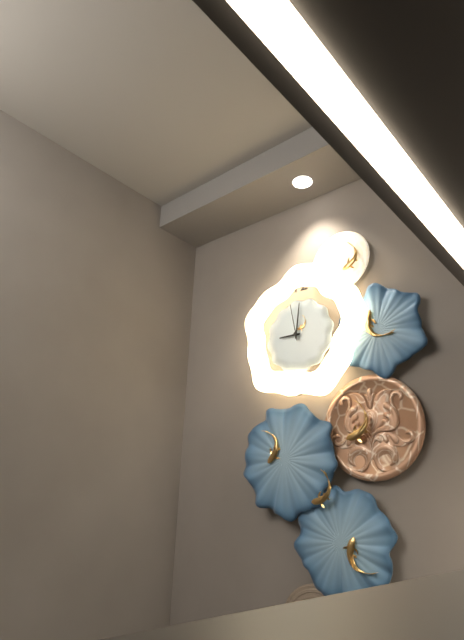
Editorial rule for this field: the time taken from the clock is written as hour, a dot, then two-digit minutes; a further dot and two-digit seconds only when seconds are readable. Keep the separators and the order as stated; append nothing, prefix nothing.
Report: 9.01
